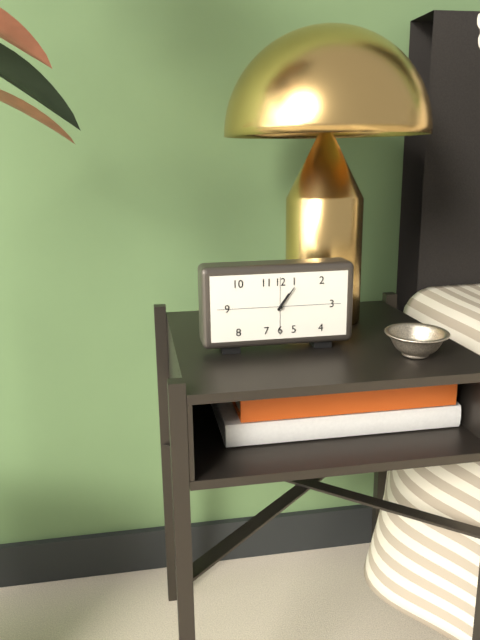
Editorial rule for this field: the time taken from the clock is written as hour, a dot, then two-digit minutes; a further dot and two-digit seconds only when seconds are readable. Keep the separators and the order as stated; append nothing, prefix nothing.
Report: 1.06
